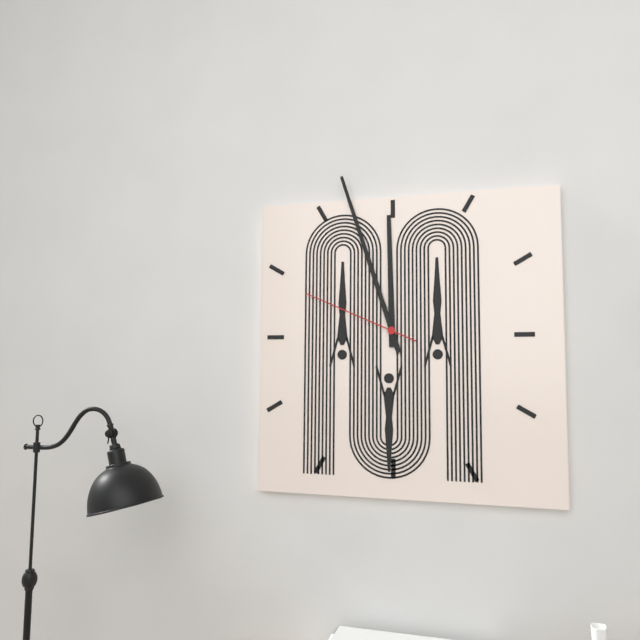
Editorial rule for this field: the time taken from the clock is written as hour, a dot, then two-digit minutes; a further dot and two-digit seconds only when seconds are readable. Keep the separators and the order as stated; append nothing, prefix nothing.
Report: 11.57.49
